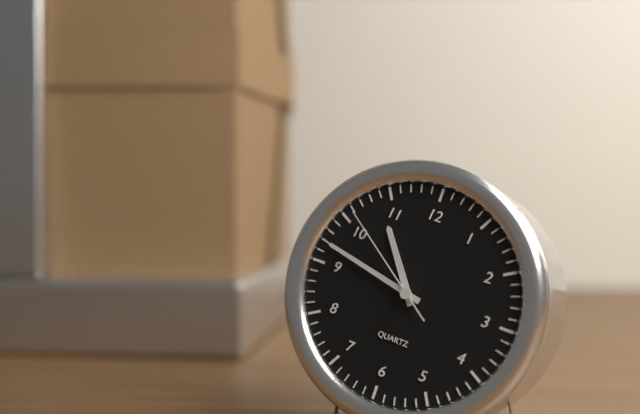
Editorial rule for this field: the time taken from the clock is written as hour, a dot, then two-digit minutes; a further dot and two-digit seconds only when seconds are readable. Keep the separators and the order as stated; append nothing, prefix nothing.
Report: 10.47.51
